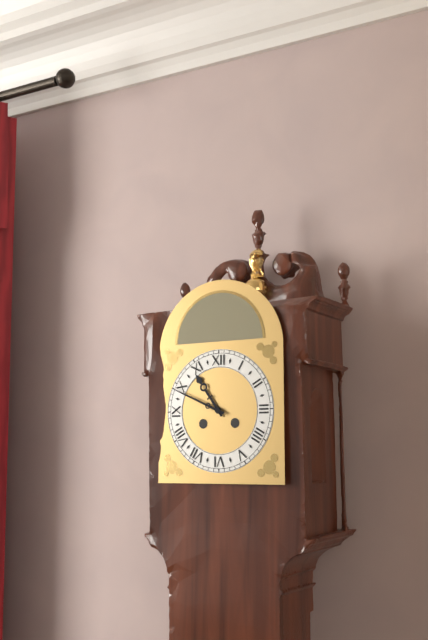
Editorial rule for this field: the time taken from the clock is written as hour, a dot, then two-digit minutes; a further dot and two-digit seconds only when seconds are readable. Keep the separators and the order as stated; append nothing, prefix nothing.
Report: 10.49
